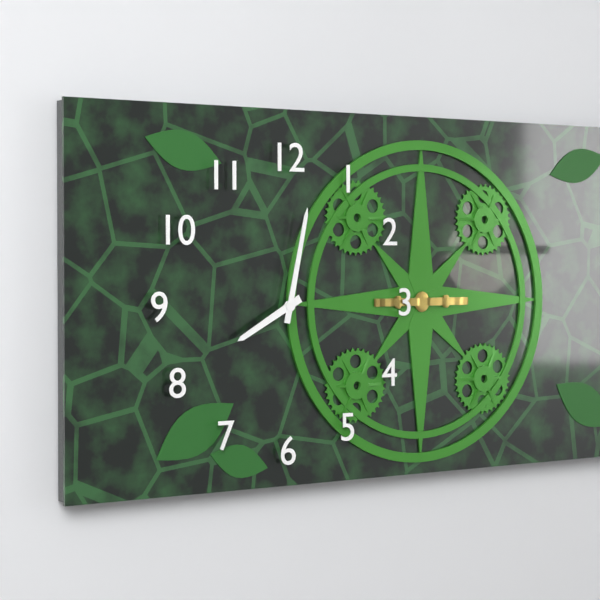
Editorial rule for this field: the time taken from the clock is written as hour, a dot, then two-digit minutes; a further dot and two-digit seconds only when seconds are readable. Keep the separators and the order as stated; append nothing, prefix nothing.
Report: 8.02
